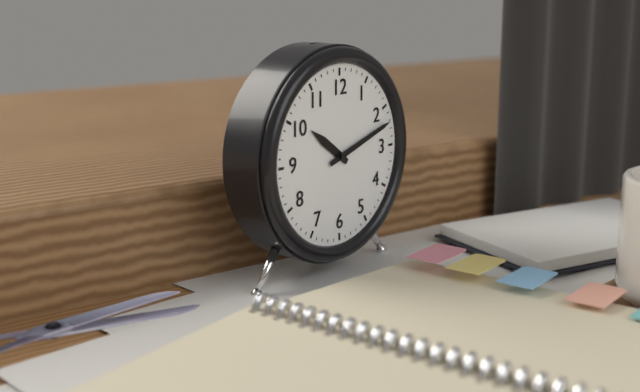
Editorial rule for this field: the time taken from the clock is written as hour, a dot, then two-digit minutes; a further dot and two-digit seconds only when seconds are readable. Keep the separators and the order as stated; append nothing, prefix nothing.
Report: 10.12
